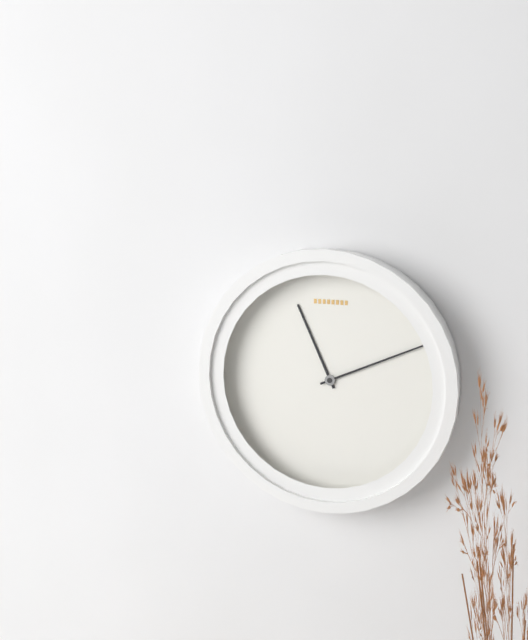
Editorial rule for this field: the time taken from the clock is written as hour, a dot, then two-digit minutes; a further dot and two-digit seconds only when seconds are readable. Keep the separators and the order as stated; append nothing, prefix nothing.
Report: 11.11
